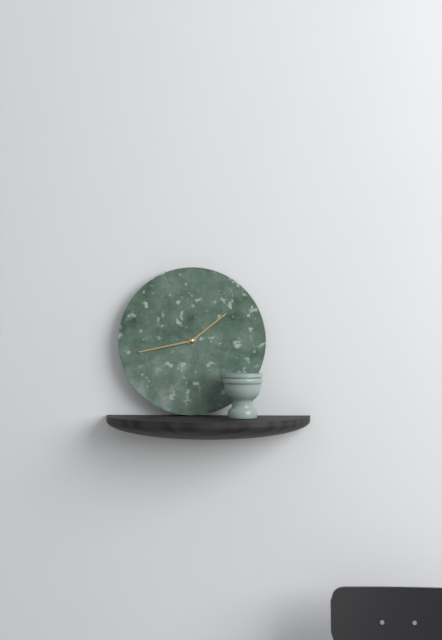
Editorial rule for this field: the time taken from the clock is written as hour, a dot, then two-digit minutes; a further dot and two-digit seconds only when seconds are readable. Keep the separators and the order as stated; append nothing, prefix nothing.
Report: 1.43
